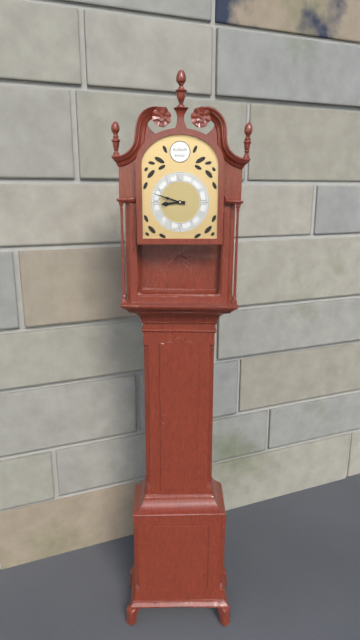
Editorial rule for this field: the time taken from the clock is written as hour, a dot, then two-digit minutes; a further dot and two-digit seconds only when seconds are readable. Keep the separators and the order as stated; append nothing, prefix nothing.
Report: 8.48
